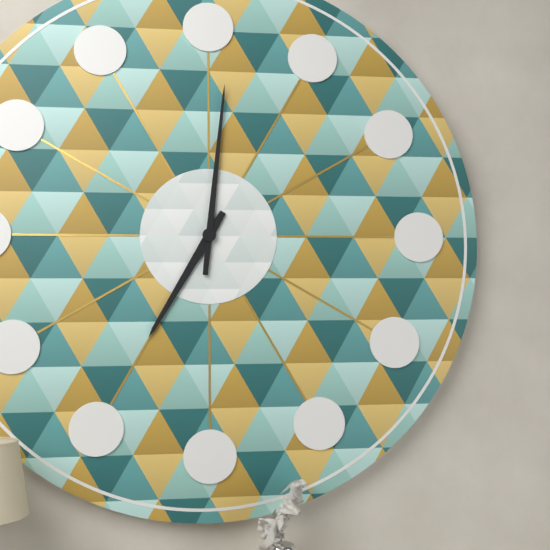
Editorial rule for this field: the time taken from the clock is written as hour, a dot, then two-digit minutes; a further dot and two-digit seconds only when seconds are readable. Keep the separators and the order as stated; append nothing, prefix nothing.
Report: 7.01
